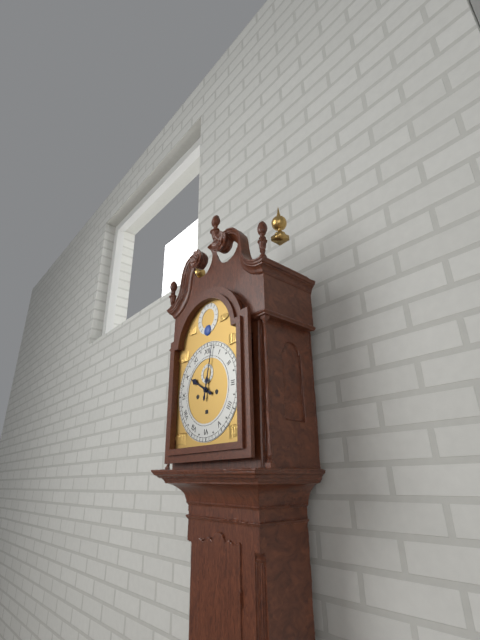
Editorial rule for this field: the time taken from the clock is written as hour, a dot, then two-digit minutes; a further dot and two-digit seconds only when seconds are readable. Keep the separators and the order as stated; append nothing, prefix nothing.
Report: 10.02
